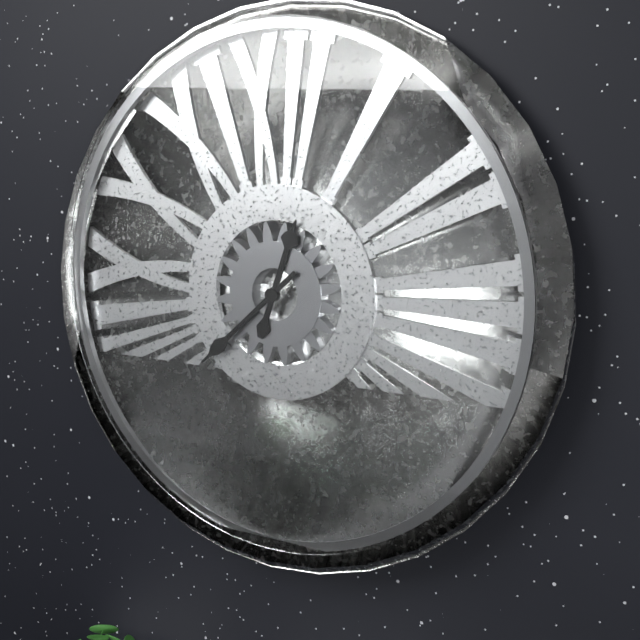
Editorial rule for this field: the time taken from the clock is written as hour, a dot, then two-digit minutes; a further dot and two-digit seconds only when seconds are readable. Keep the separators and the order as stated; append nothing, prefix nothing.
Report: 12.38
